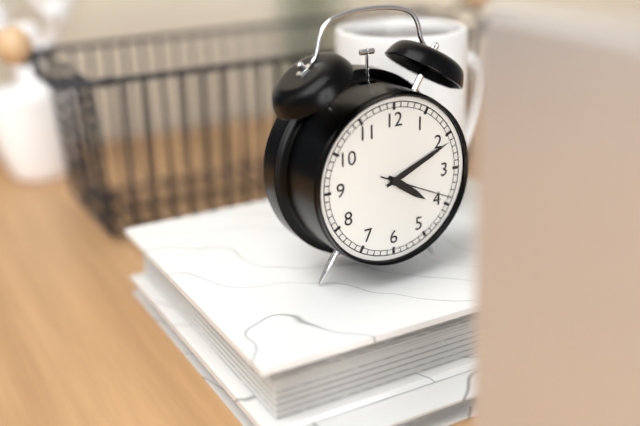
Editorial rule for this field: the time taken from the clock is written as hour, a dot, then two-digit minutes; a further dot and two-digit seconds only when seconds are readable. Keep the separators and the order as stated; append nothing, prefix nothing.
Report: 4.11.19
